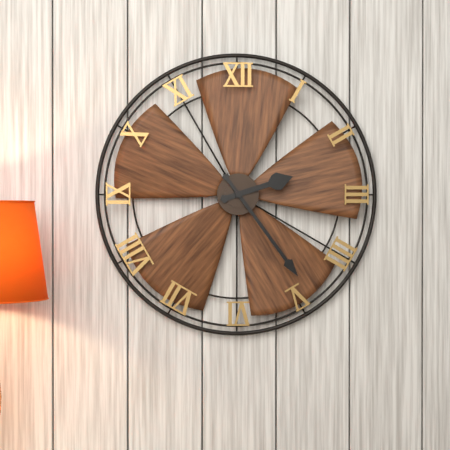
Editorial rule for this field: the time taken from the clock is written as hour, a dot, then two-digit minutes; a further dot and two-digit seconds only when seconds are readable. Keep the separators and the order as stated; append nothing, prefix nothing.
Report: 2.24
